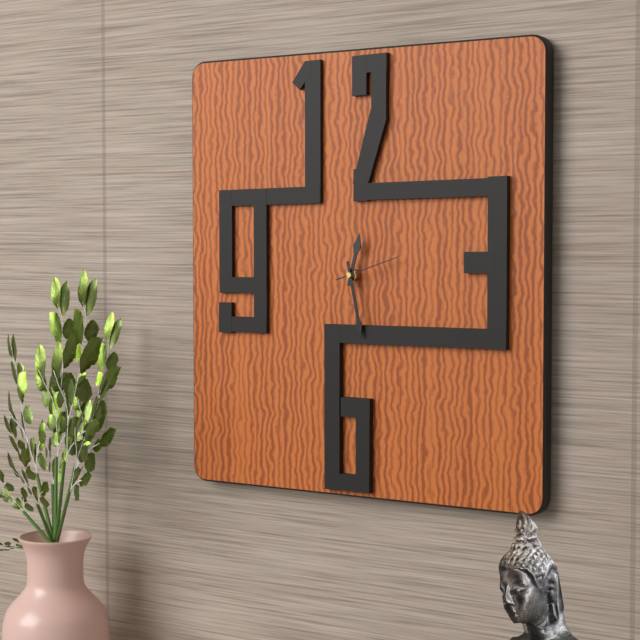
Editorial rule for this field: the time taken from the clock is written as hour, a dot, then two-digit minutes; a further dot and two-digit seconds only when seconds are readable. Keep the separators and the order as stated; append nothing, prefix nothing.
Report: 12.28
